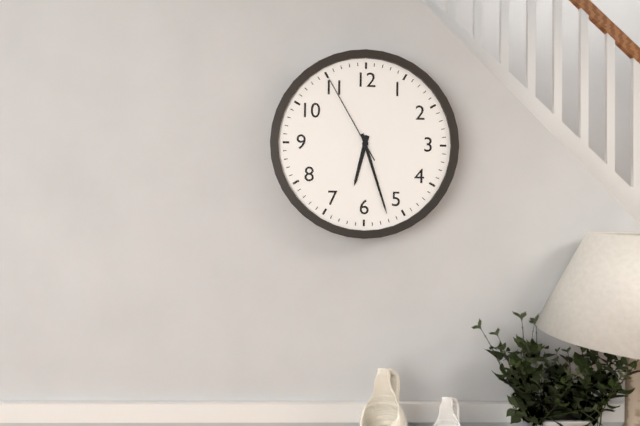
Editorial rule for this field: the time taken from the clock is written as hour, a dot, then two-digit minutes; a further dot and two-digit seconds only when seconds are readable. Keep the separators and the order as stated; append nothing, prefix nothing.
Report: 6.27.55
